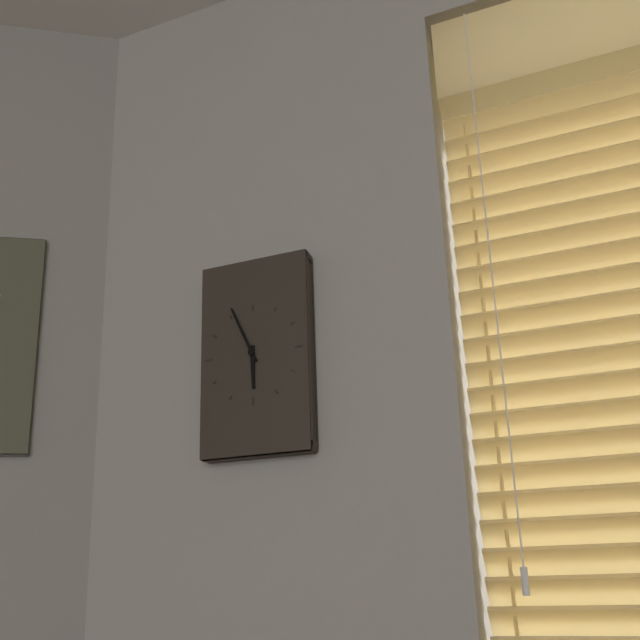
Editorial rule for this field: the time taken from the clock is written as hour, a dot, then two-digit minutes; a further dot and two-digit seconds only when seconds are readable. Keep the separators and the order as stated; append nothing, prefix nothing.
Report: 5.56
